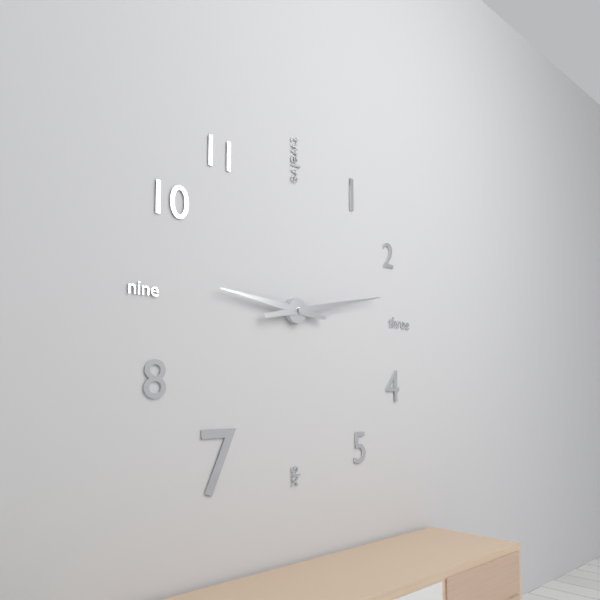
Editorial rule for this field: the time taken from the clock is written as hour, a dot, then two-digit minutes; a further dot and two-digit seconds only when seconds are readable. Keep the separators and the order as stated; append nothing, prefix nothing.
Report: 9.13
